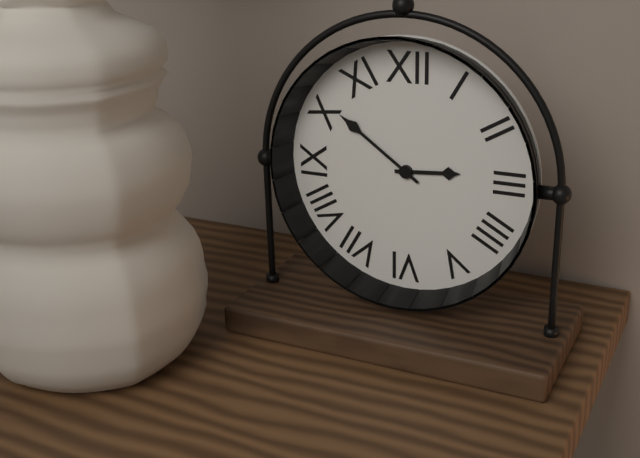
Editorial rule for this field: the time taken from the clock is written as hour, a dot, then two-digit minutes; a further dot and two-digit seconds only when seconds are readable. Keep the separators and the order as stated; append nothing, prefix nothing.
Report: 2.51
